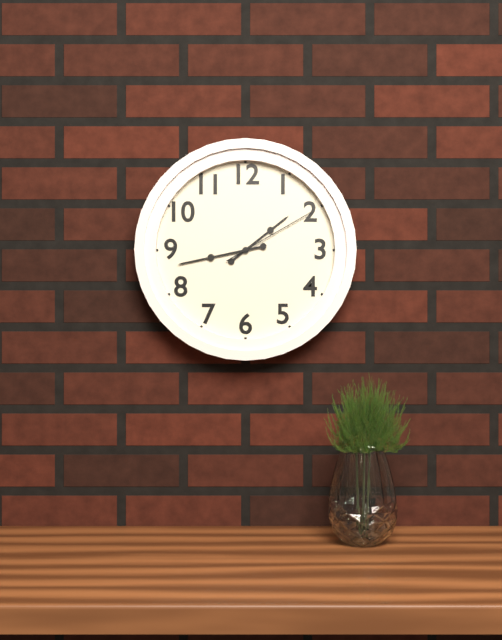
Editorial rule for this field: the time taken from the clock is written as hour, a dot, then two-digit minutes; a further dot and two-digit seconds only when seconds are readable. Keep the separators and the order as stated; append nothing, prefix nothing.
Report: 1.43.10
